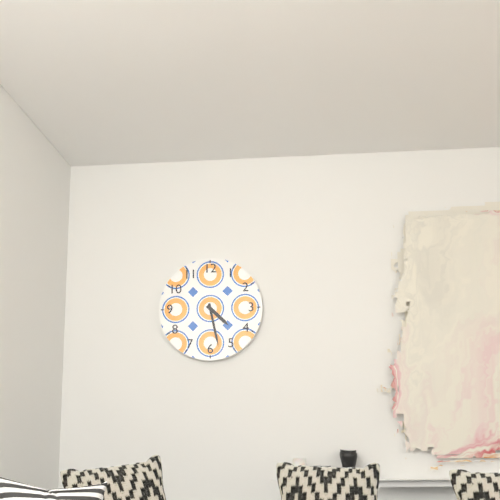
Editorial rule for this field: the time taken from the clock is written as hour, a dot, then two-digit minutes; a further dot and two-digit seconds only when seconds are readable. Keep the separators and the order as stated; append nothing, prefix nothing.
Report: 4.28
